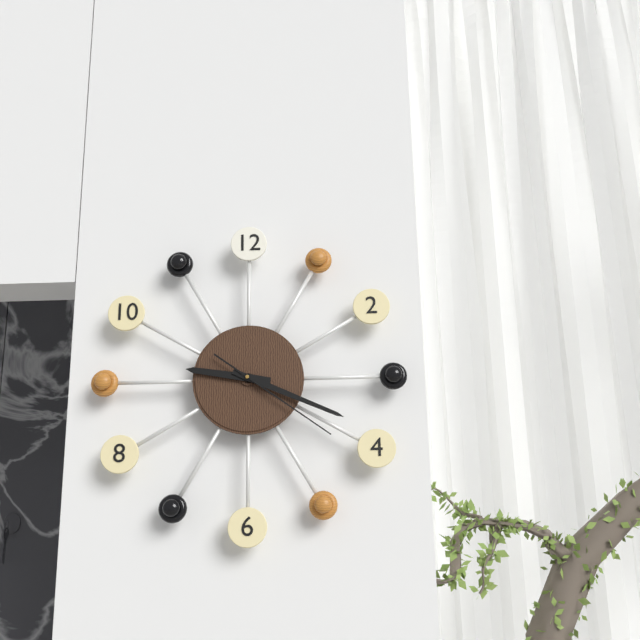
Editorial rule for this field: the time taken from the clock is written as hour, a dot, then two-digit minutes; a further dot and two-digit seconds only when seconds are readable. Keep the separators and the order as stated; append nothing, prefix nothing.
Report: 9.19.21
